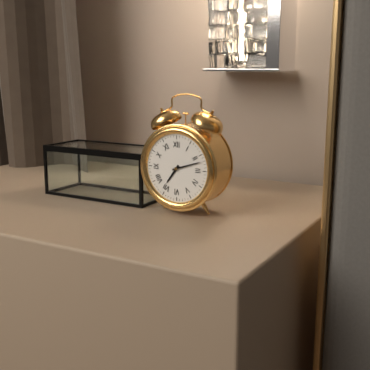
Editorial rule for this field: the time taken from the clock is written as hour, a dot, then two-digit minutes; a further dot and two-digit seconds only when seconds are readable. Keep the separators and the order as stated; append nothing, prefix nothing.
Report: 7.12
